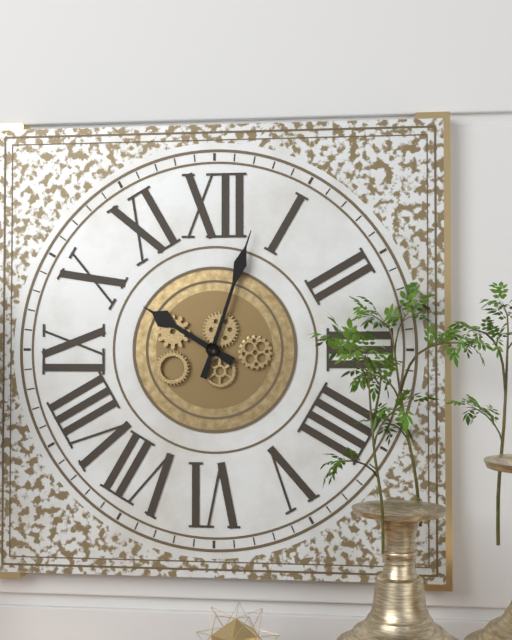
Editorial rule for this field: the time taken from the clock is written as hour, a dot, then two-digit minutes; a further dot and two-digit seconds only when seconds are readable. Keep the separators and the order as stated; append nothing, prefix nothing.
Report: 10.03
